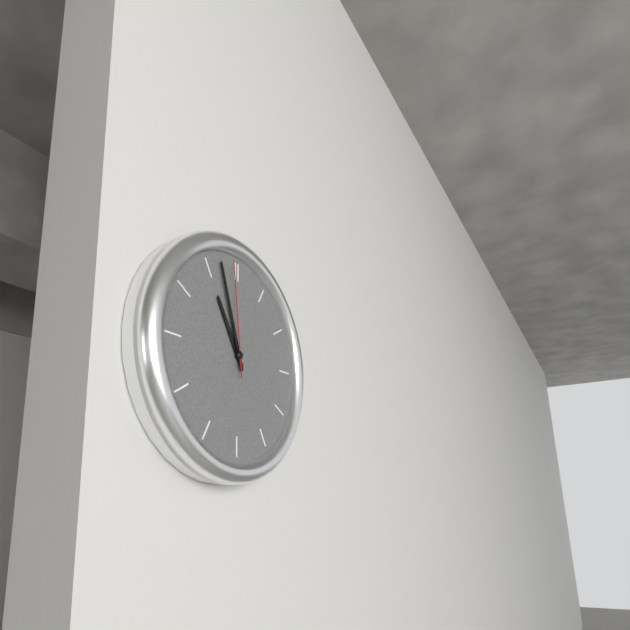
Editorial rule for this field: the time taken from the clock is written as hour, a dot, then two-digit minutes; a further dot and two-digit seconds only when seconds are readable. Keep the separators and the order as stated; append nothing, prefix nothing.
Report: 10.57.59
